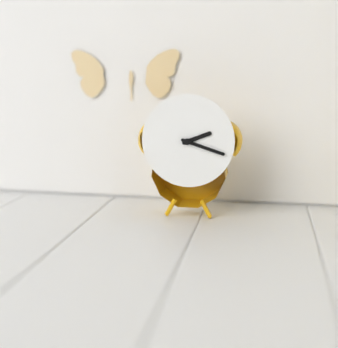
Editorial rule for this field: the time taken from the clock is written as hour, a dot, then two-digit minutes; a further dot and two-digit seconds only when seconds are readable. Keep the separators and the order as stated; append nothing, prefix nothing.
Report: 2.18
